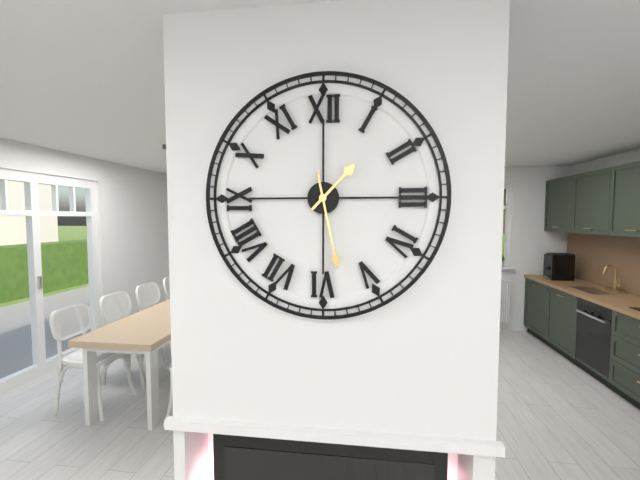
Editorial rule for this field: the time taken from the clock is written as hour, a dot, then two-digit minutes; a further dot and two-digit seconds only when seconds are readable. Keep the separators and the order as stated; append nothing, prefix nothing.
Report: 1.28
